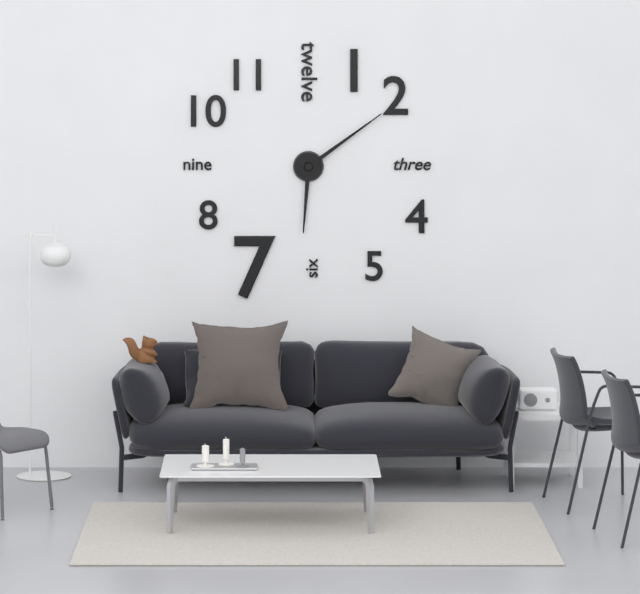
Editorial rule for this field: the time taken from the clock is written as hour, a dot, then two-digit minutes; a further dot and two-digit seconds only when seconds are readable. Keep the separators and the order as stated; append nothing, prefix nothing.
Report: 6.09
